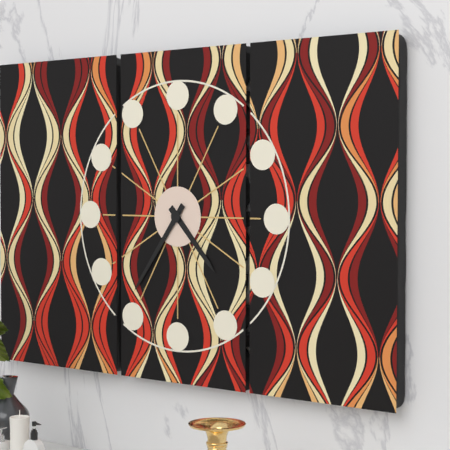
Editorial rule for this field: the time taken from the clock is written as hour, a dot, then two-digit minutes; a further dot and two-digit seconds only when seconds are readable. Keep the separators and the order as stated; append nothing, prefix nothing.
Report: 4.36
